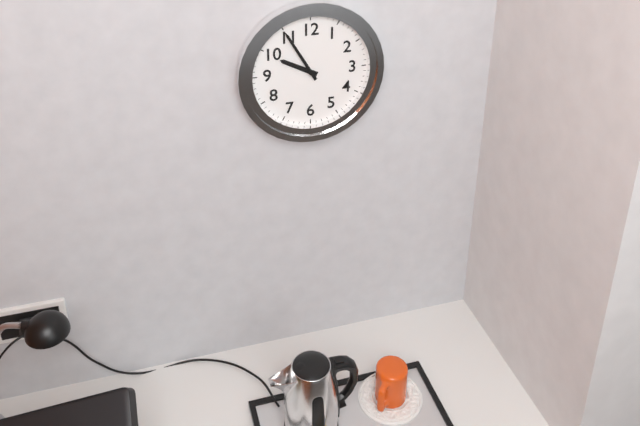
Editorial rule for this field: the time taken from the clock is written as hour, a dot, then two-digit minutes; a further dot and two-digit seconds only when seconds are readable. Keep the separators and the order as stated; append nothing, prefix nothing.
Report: 9.55
